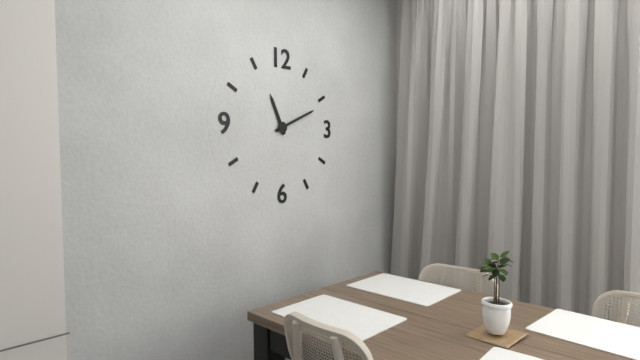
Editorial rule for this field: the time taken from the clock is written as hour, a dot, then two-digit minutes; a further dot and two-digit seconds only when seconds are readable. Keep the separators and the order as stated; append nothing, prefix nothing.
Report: 11.11
